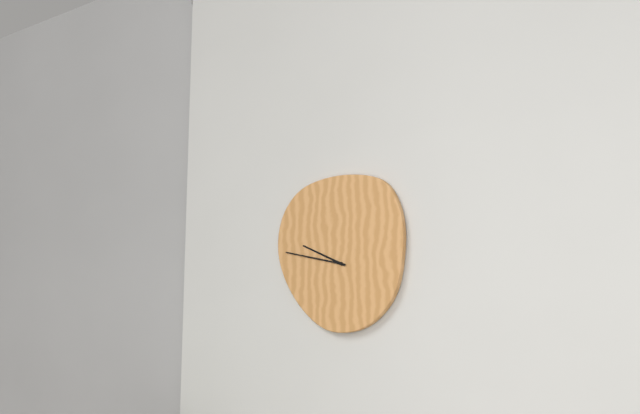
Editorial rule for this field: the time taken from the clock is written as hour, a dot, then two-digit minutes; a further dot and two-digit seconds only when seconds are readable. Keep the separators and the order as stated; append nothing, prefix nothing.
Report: 9.47
